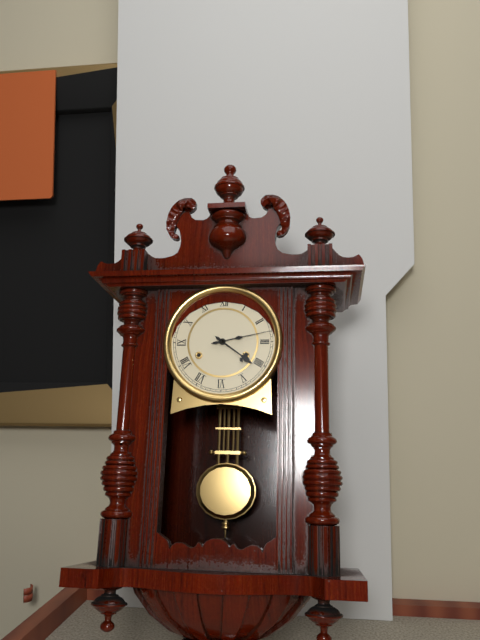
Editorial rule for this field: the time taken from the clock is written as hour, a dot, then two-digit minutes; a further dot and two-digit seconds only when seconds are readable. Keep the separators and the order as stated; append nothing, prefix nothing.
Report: 4.13
